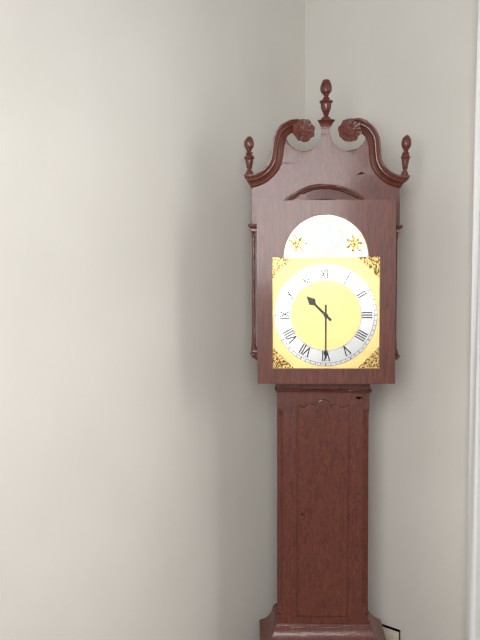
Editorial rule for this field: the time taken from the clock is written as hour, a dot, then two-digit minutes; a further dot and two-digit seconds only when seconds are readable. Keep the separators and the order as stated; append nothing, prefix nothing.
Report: 10.30
